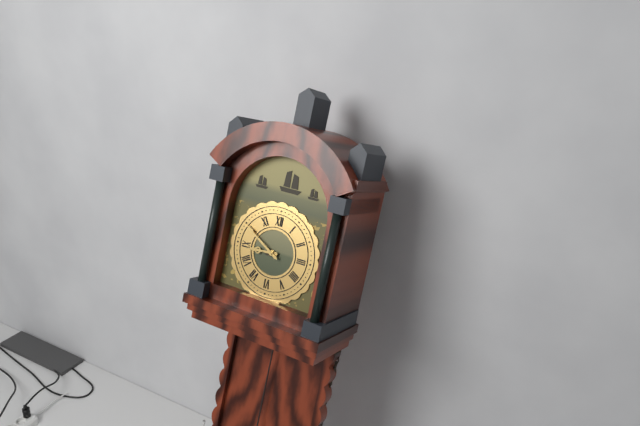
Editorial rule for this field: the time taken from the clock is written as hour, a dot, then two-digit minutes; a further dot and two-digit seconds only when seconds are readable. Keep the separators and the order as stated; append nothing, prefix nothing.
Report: 8.50
